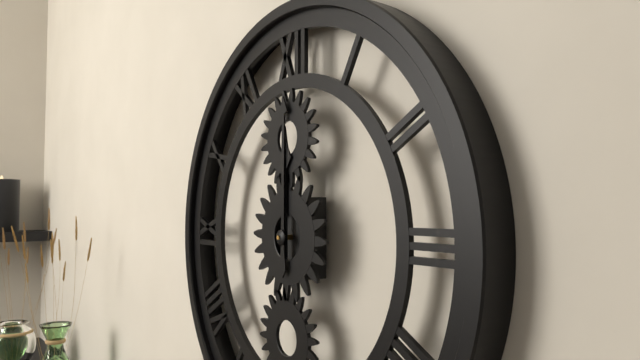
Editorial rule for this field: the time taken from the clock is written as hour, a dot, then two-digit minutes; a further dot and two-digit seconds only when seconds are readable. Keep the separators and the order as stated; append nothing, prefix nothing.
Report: 12.00
